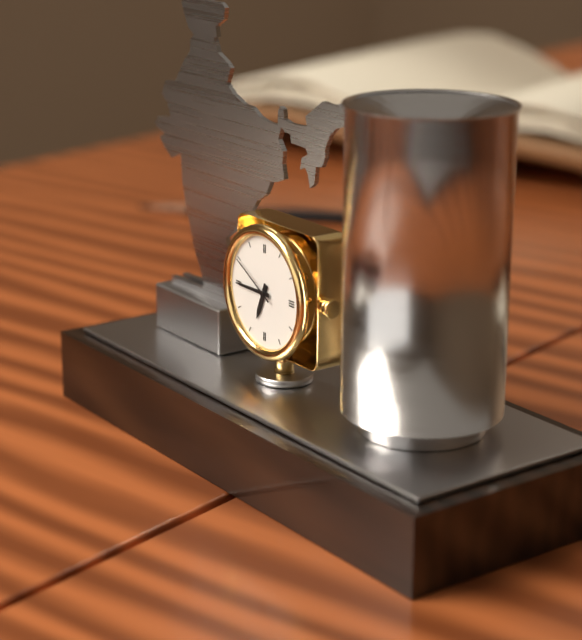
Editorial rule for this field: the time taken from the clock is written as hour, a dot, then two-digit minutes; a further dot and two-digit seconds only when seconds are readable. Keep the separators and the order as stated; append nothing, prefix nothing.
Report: 6.45.50
